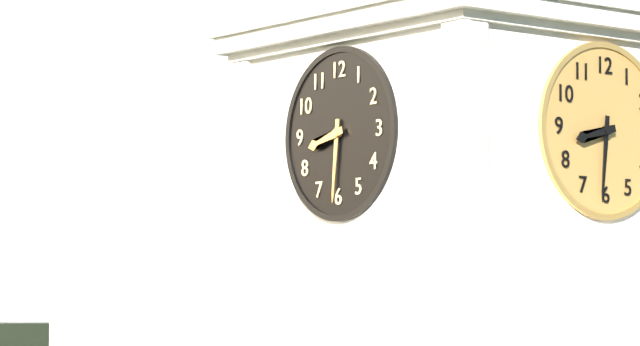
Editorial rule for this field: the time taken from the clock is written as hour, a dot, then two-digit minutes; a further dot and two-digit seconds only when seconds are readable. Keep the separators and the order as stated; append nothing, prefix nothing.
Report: 8.31
